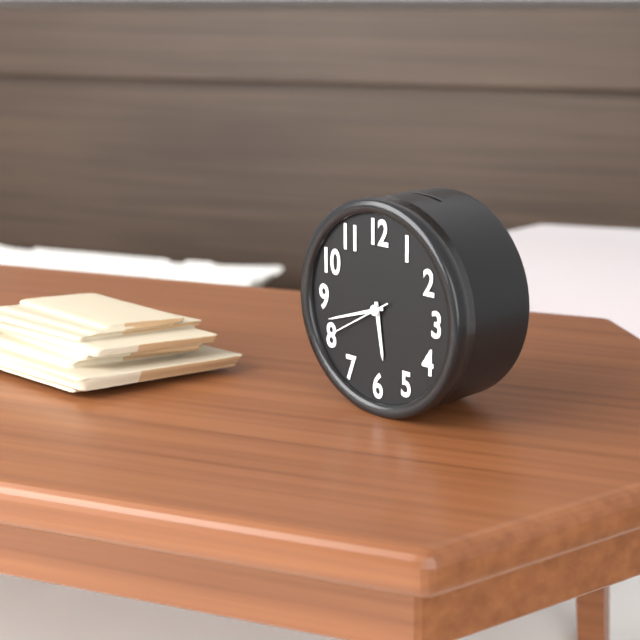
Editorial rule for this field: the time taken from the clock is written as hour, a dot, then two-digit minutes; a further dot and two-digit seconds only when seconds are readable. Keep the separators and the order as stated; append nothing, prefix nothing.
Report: 5.42.40
